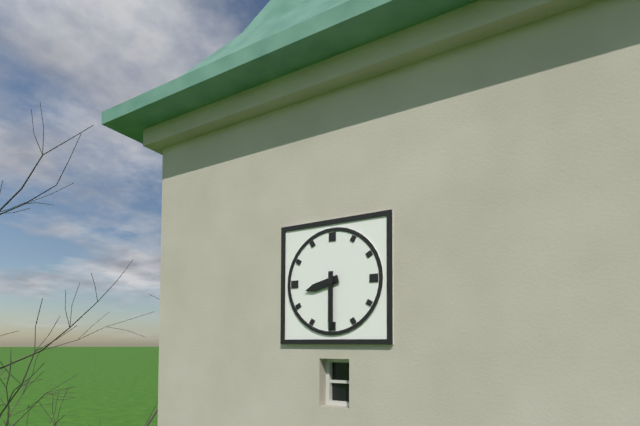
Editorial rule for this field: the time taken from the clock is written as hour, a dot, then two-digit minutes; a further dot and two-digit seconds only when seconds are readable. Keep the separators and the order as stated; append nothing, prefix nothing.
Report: 8.30
